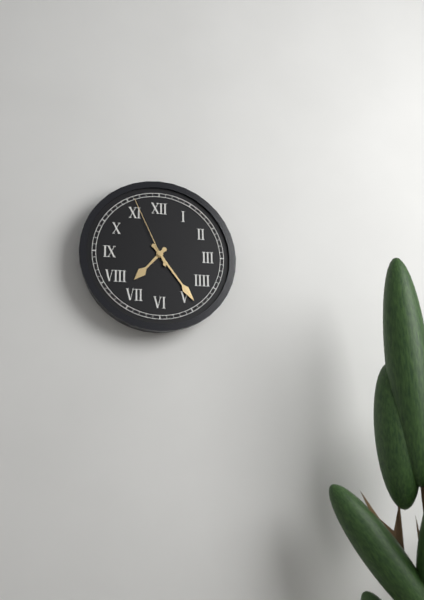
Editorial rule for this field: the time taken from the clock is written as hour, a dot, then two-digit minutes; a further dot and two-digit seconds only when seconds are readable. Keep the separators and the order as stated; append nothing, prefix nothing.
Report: 7.24.56
